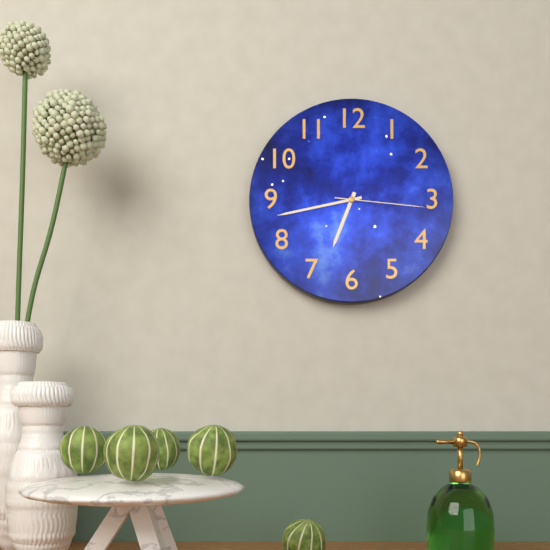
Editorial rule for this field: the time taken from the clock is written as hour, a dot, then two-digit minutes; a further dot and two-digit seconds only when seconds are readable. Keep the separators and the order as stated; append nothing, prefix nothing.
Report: 6.43.16
